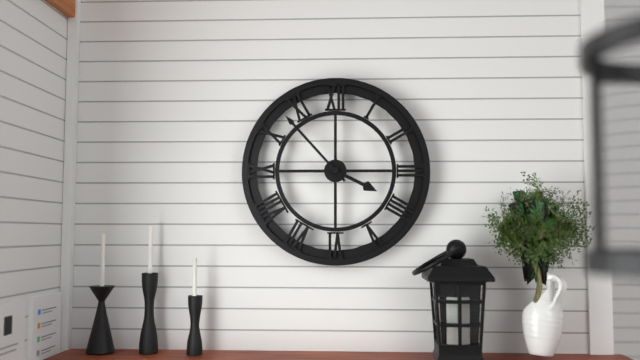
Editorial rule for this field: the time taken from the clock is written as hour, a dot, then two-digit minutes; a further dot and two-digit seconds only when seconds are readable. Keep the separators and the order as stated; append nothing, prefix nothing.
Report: 3.53
